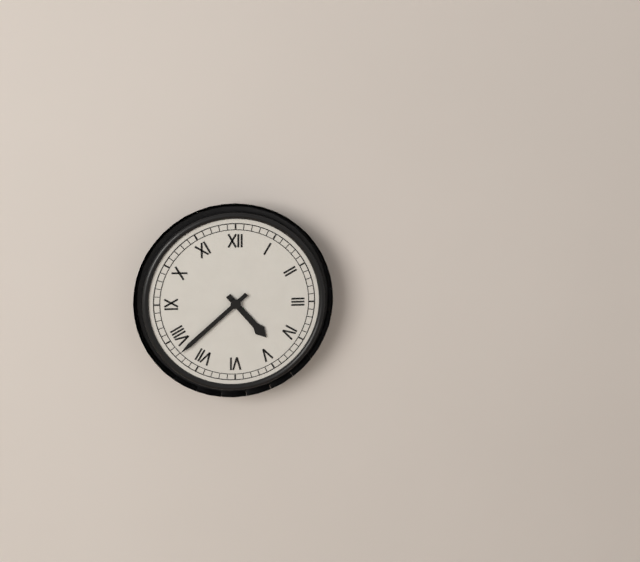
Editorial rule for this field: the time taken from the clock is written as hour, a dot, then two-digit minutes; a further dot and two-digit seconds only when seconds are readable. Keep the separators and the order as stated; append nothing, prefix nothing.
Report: 4.38
